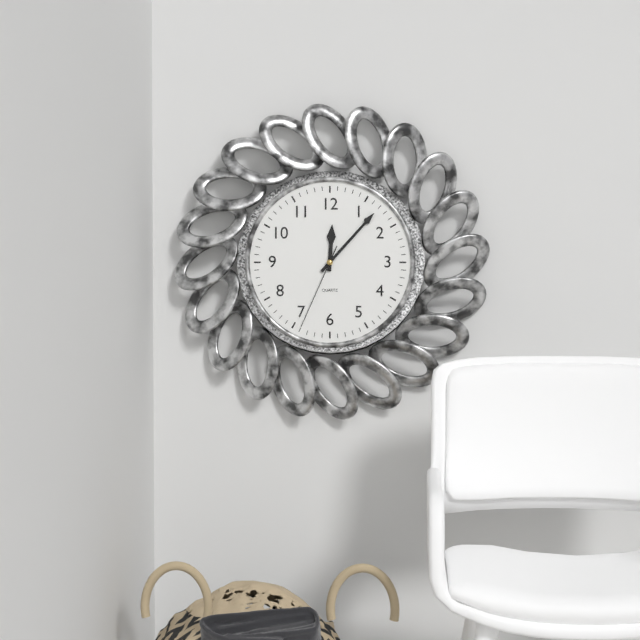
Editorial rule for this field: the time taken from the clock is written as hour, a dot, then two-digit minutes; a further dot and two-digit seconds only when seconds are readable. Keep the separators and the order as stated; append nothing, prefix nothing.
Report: 12.07.34
